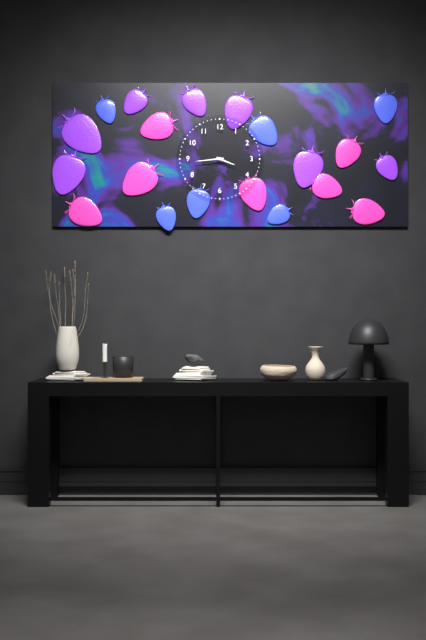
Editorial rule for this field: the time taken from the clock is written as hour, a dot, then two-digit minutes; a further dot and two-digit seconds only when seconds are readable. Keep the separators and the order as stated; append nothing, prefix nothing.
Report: 3.44
